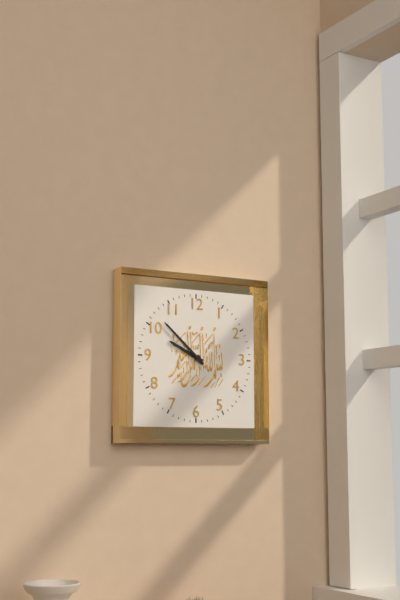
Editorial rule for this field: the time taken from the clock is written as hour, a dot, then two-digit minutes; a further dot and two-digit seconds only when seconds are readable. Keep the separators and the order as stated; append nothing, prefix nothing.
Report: 9.52
